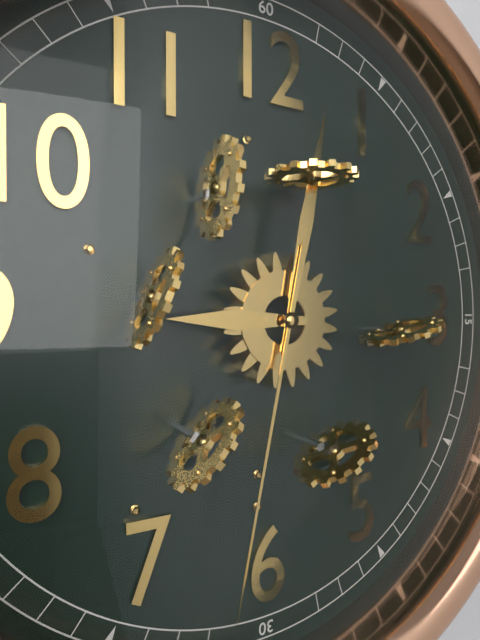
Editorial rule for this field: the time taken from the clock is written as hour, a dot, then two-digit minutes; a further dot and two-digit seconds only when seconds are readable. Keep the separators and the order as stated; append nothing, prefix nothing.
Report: 9.02.32
